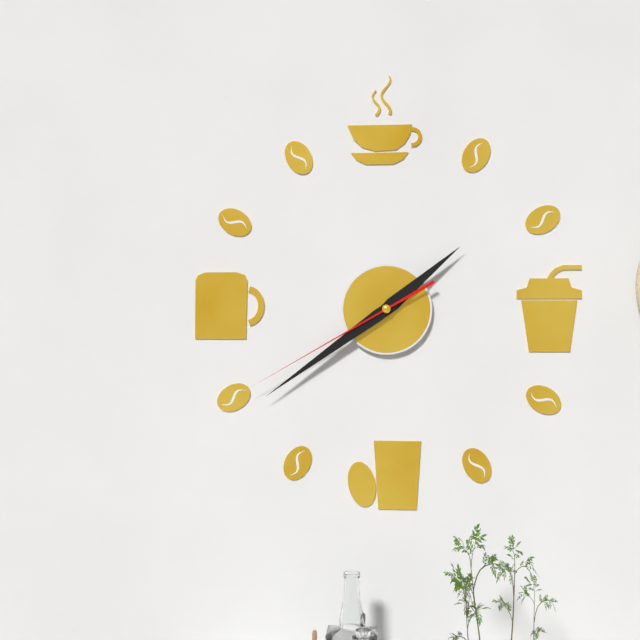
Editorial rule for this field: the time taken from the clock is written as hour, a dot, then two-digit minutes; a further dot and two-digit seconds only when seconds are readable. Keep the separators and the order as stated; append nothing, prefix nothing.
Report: 1.39.40
